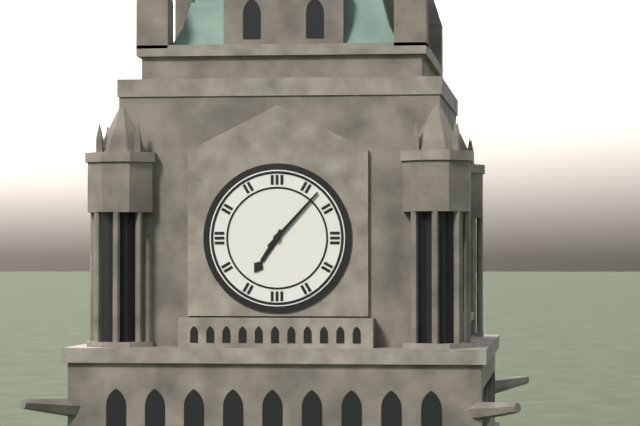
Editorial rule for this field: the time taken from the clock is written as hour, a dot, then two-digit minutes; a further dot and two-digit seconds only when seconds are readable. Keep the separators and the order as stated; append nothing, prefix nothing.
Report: 7.07
